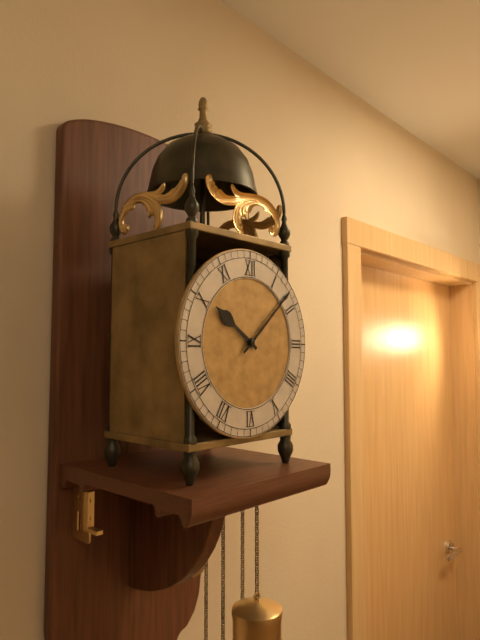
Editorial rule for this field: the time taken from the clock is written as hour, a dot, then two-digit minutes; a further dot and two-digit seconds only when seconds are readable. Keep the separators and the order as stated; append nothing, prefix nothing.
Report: 10.08
